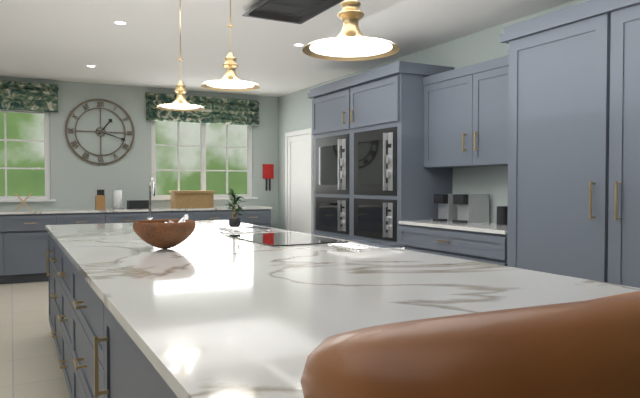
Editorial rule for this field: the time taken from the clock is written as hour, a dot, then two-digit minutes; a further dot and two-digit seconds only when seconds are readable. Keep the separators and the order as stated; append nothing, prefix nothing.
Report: 1.18
